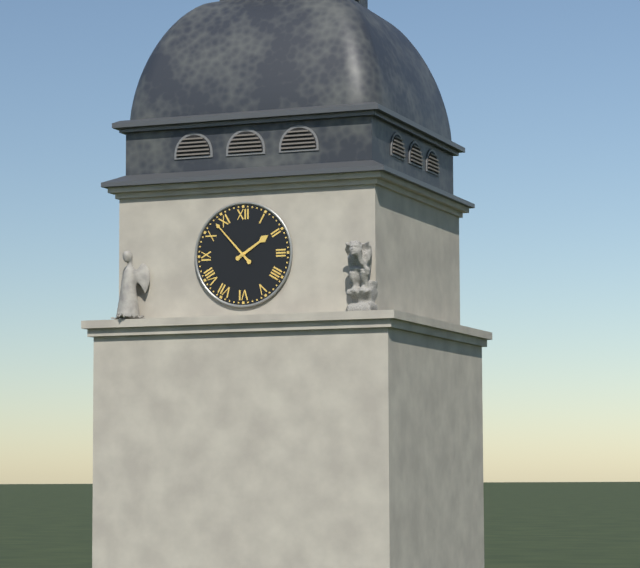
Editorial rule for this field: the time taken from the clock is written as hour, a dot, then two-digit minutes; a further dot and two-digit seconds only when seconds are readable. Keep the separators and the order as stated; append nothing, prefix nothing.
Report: 1.53
